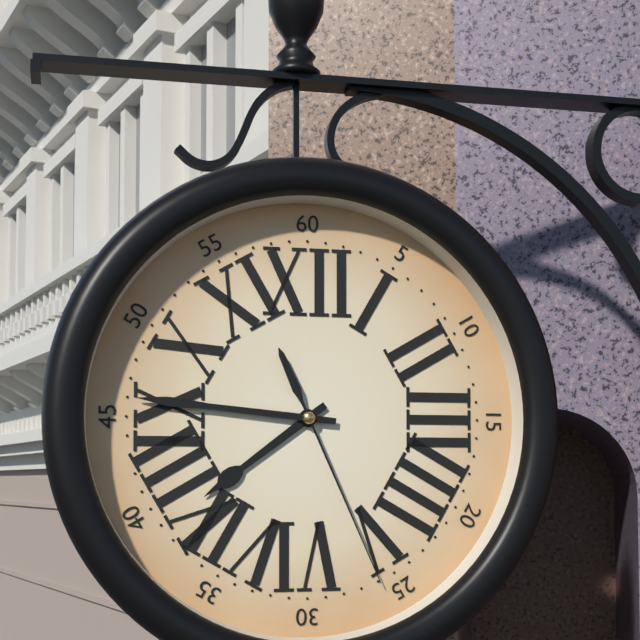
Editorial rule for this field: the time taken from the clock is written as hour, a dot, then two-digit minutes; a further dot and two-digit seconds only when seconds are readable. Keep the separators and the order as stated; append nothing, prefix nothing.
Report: 7.46.26
